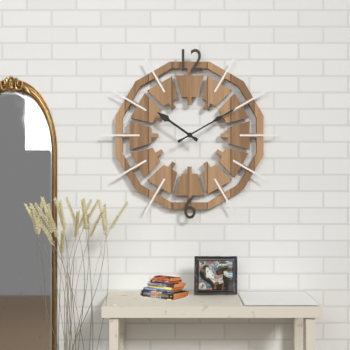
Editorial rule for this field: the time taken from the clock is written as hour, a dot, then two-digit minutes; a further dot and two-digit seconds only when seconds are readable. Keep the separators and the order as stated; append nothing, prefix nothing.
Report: 10.10
